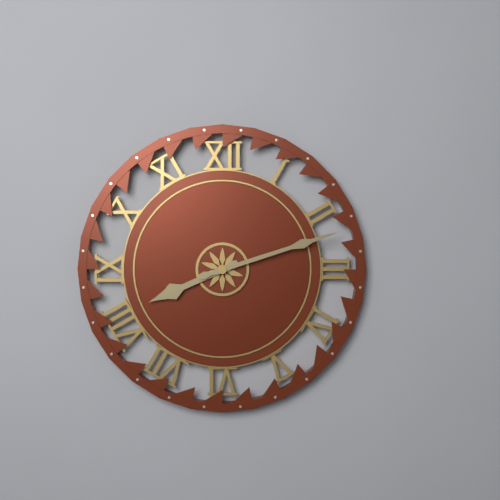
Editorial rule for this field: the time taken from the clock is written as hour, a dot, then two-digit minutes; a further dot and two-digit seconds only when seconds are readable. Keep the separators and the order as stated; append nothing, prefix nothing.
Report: 8.12
